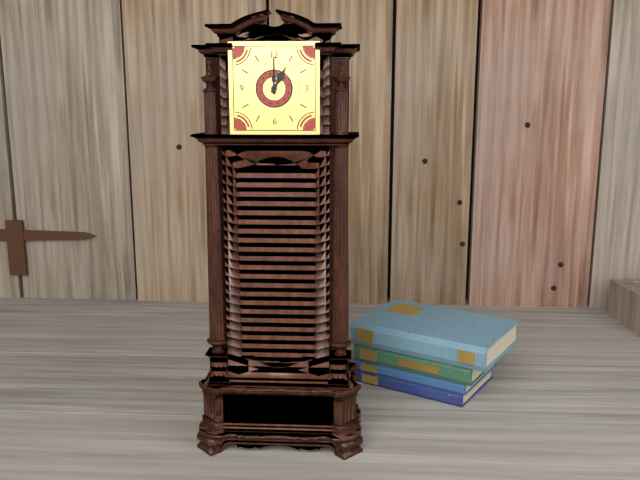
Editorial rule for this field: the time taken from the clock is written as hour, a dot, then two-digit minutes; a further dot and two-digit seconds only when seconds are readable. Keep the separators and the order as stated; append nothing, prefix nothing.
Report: 1.00
